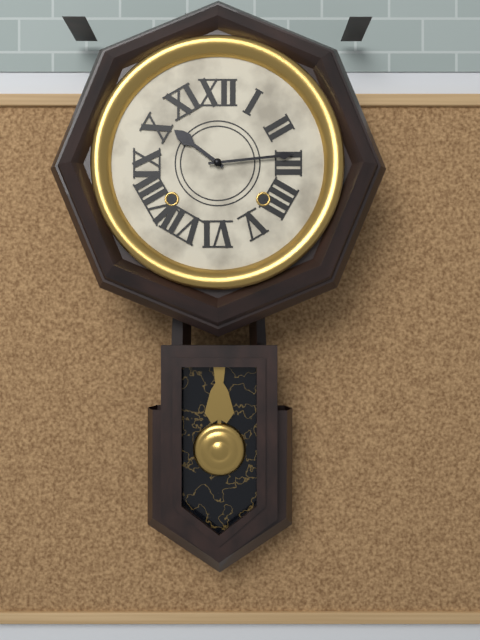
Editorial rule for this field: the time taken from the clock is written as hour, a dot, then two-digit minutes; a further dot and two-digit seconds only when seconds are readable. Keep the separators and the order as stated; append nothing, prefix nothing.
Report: 10.14
